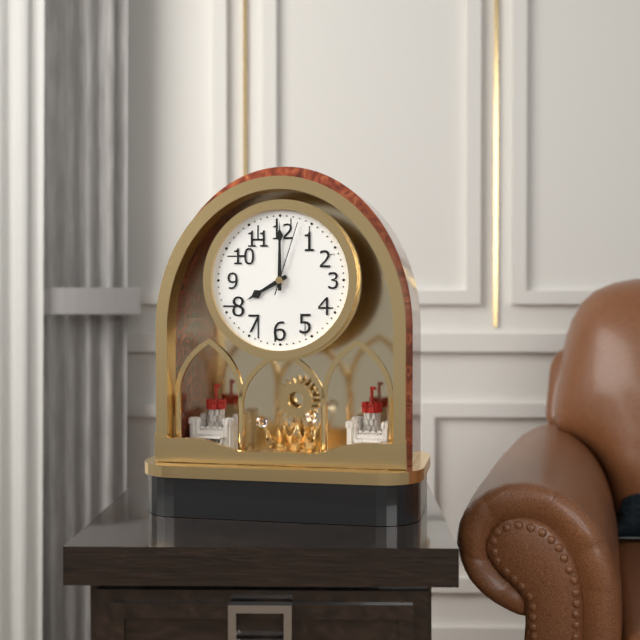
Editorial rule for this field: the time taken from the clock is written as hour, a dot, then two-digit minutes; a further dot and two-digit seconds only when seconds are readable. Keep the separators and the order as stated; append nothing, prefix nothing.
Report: 8.00.03
